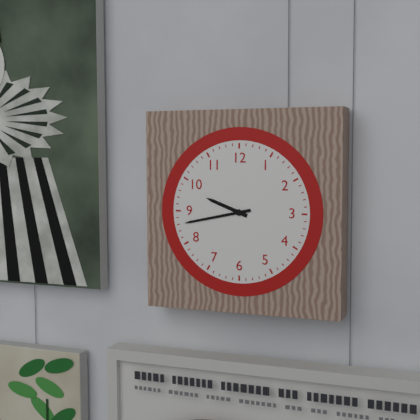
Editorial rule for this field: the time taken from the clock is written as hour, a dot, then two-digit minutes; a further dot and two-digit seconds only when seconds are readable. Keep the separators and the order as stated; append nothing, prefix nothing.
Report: 9.43
